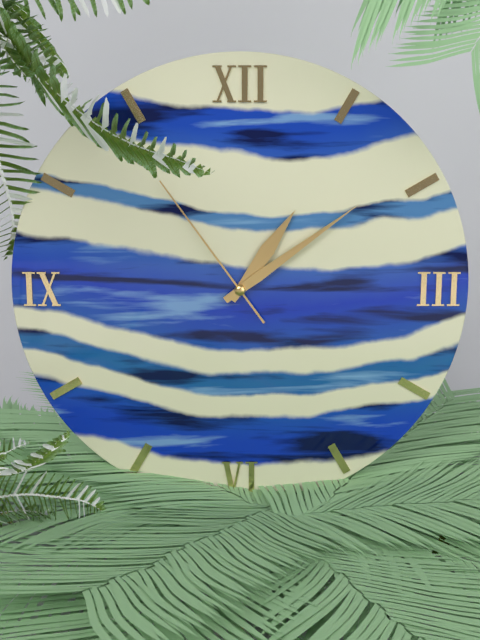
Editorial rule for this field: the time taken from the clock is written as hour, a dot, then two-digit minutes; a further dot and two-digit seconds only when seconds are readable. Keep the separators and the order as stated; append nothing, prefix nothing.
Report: 1.09.54
